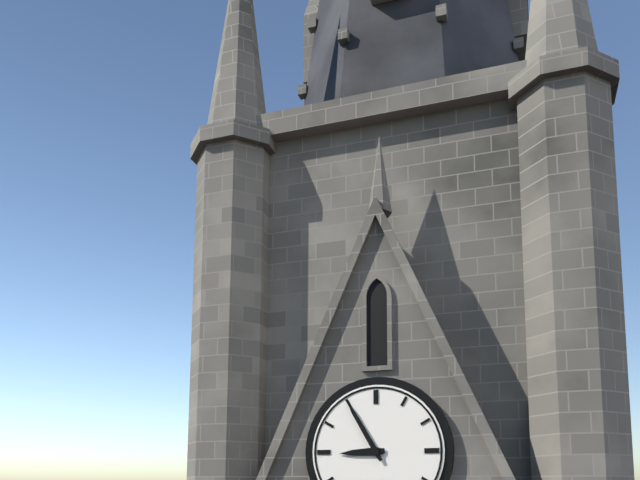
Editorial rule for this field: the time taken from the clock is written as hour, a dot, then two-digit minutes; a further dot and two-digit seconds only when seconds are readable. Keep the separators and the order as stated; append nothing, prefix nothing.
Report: 8.55
